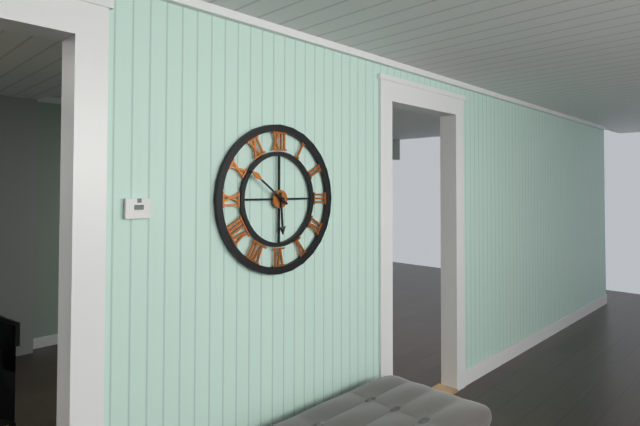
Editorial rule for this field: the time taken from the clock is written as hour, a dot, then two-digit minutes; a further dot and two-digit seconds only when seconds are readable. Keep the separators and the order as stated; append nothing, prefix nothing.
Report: 5.51
